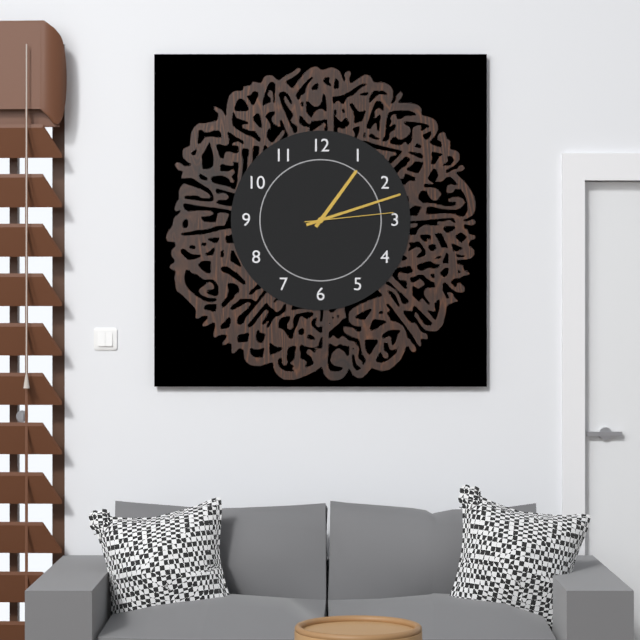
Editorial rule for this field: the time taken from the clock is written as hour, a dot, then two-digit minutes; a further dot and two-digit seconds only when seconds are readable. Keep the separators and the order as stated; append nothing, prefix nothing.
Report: 1.12.14
